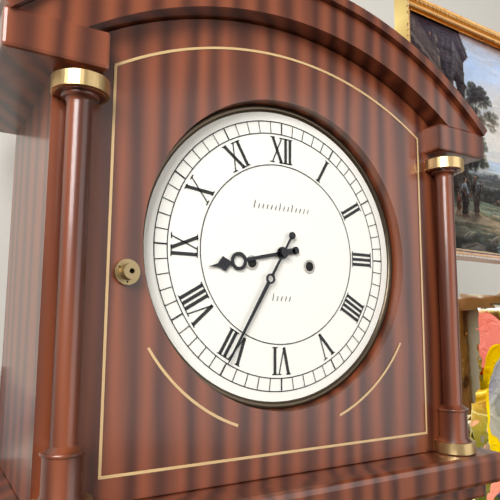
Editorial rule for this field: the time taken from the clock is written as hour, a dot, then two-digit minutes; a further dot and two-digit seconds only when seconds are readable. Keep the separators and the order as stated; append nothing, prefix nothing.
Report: 8.35
